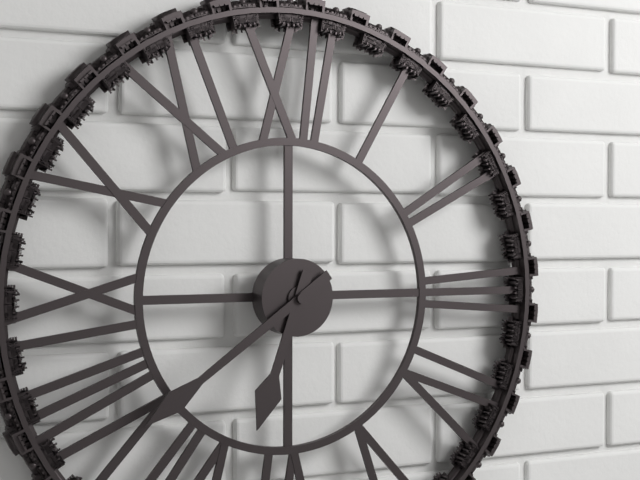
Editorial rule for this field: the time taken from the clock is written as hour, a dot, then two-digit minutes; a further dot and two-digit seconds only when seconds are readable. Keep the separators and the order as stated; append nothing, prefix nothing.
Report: 6.39
